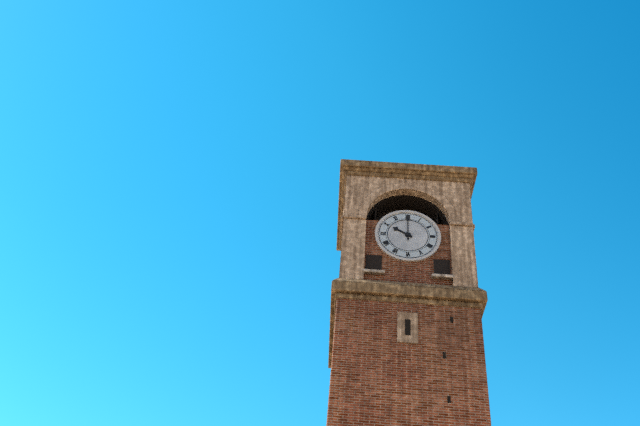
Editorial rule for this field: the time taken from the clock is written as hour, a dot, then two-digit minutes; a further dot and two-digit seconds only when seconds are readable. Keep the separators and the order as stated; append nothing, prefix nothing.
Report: 10.00
